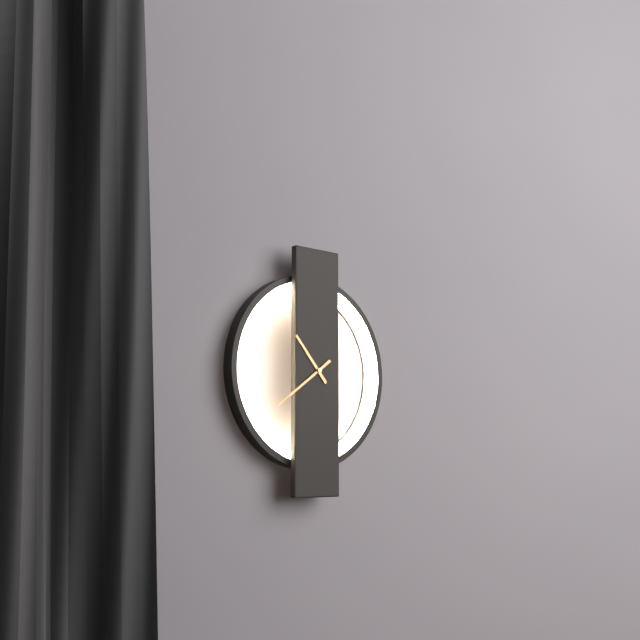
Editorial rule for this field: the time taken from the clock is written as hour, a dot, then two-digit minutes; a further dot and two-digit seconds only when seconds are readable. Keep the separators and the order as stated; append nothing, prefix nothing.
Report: 10.39
